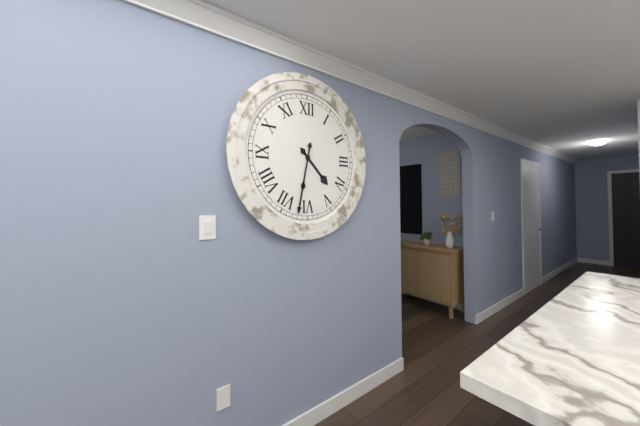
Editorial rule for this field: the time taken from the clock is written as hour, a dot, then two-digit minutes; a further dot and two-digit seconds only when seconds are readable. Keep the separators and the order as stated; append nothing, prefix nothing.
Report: 4.32
